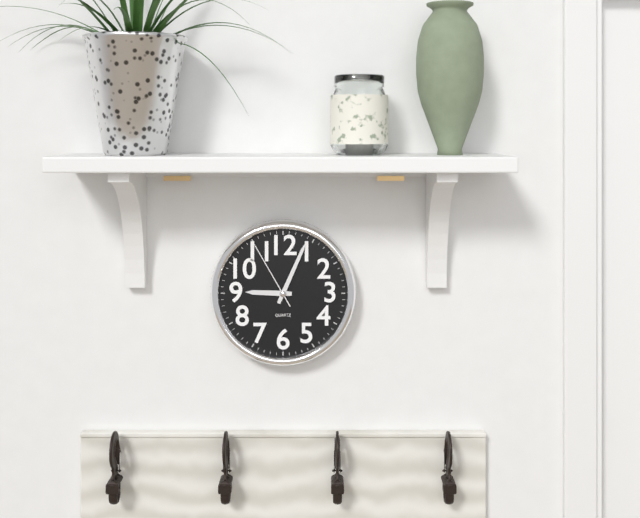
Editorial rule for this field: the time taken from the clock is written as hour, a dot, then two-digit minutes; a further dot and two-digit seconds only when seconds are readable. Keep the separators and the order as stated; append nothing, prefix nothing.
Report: 9.04.55
